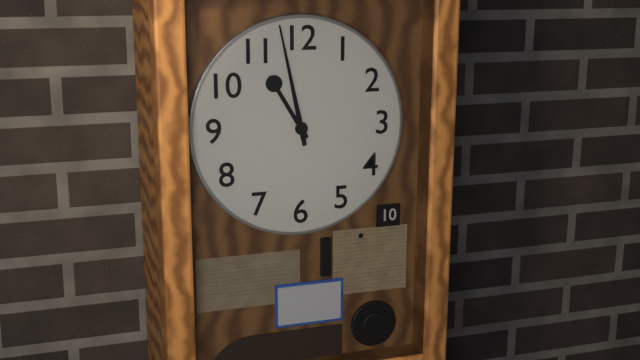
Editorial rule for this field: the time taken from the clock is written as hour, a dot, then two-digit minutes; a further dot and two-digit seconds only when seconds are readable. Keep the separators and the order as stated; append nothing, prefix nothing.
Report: 10.58
